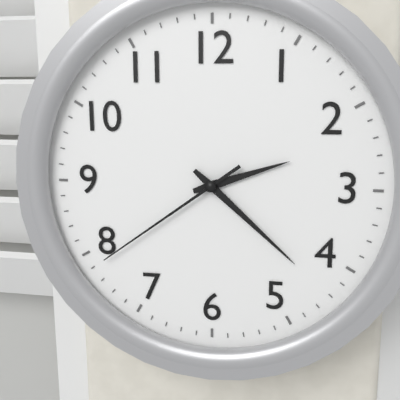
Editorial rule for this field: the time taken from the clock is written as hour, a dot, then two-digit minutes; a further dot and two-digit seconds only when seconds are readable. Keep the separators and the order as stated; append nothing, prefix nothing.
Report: 2.22.39
